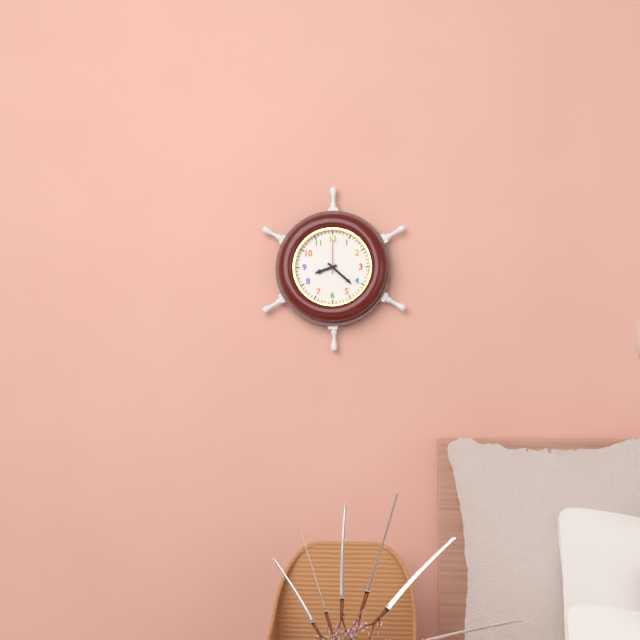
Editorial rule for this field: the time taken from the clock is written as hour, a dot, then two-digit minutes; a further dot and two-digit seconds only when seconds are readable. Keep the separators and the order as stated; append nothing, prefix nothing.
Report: 8.22
